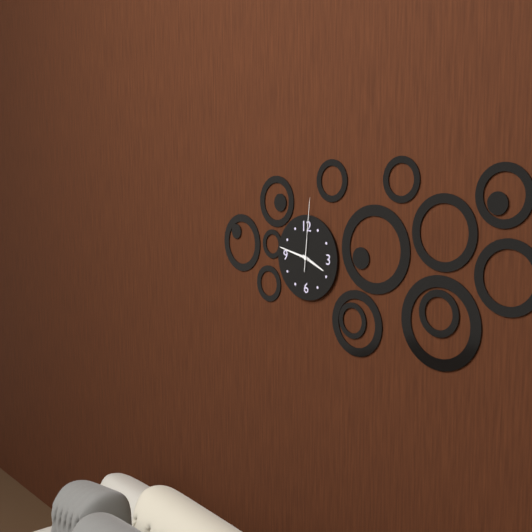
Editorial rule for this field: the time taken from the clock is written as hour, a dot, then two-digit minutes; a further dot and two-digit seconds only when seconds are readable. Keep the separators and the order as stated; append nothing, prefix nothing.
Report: 3.47.01
